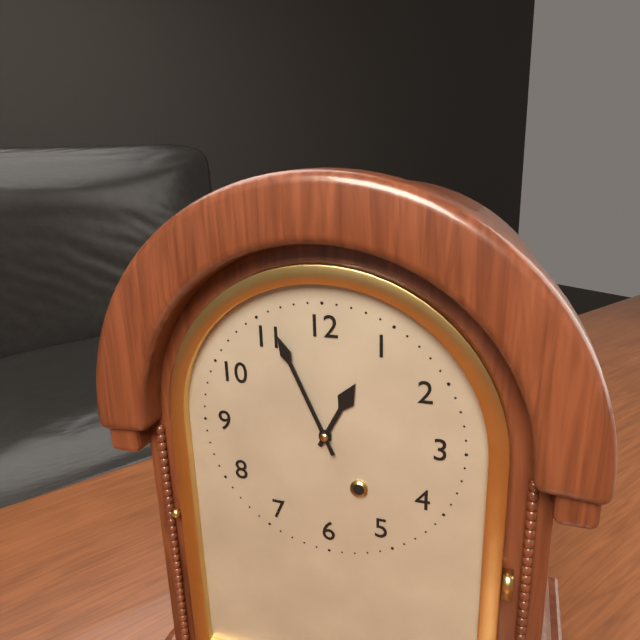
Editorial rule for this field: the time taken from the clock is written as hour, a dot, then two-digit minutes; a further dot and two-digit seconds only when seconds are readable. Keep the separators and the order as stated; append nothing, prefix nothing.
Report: 12.56
